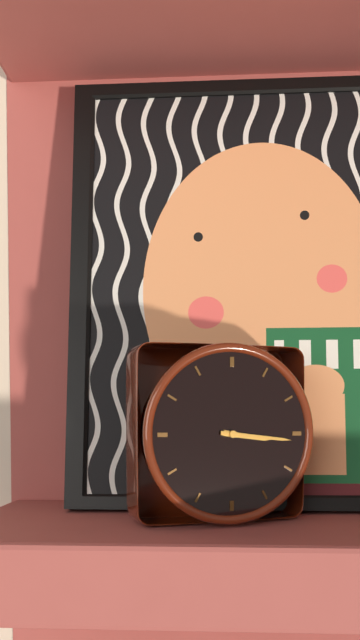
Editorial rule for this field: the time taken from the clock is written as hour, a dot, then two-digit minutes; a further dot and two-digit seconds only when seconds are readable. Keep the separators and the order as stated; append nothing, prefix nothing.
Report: 3.16
